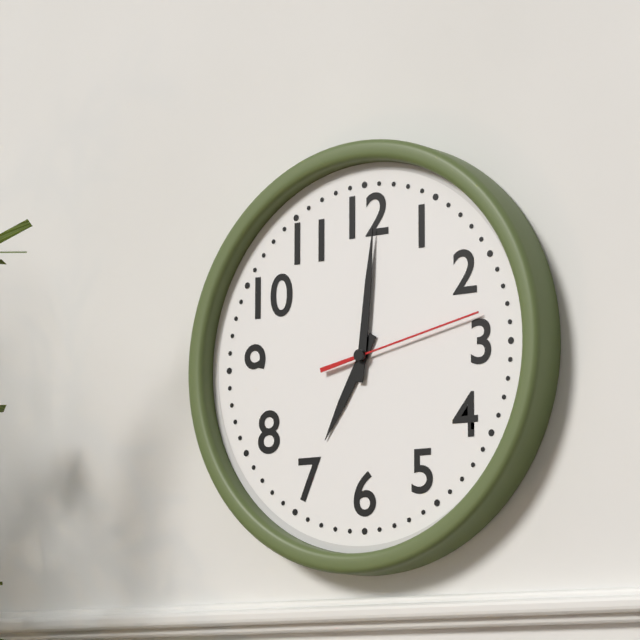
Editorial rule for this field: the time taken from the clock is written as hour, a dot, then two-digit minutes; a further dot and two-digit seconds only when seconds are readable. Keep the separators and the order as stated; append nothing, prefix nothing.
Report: 7.01.13
